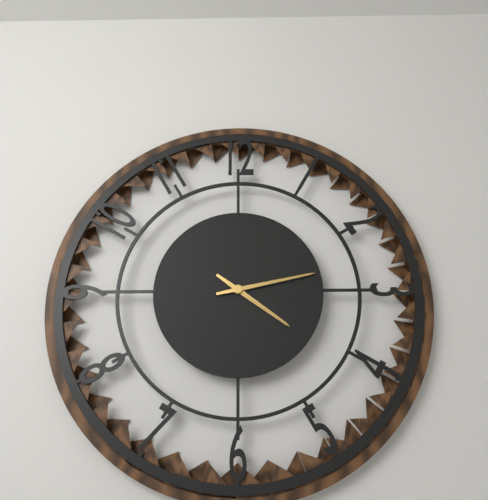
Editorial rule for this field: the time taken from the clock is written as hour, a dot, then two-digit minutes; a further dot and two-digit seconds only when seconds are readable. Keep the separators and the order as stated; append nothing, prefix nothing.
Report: 4.13
